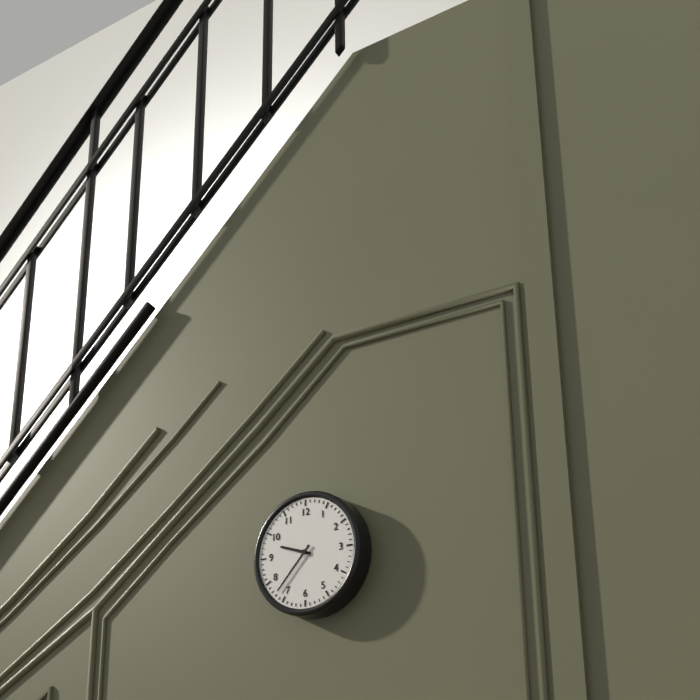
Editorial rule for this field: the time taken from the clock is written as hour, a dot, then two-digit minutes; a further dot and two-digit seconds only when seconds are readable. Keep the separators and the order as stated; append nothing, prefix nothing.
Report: 9.37
